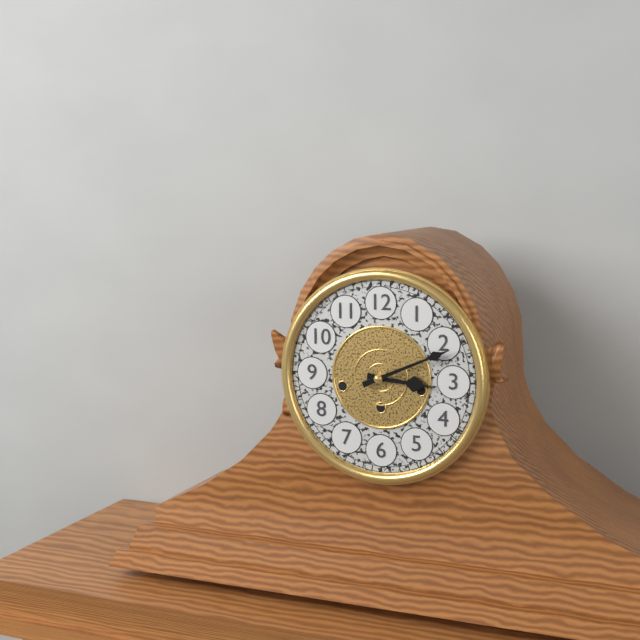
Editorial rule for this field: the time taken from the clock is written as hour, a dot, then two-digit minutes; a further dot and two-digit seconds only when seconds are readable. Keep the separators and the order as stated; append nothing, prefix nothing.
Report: 3.11
